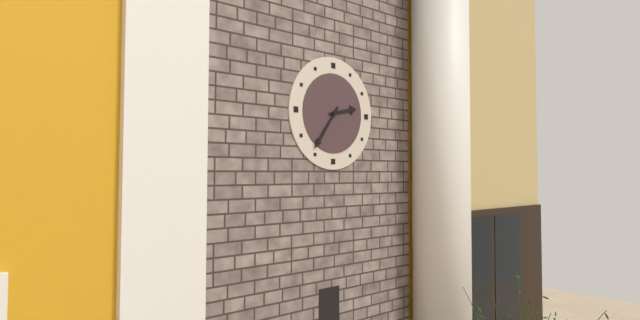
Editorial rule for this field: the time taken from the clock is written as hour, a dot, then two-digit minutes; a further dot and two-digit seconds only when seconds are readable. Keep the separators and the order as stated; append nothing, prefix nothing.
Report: 2.36
